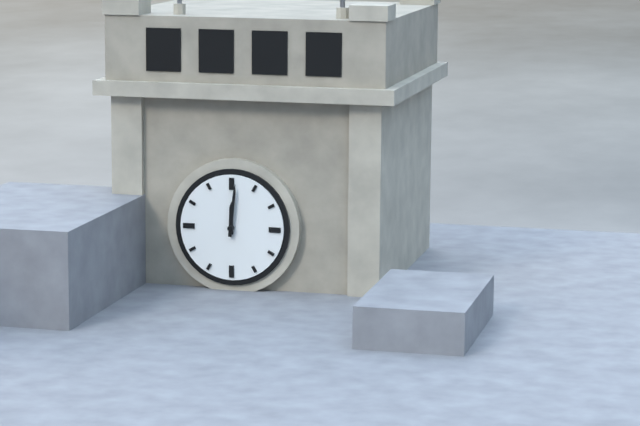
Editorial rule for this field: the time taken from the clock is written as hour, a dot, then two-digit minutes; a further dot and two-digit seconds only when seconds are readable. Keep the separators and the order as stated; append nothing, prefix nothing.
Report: 12.01
